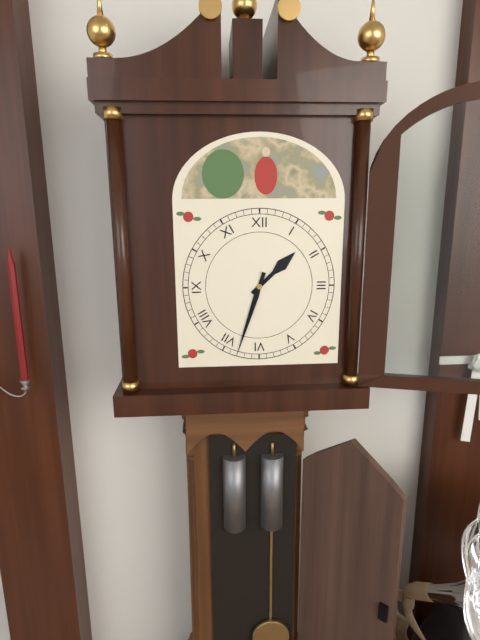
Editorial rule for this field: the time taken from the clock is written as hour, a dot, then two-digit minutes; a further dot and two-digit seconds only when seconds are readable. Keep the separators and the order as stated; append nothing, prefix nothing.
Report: 1.33
